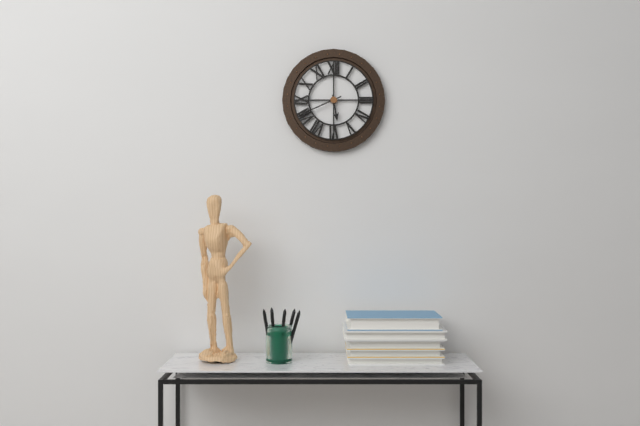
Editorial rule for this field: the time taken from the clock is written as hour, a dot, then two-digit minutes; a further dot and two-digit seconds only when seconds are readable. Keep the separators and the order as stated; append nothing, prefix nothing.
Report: 5.41
